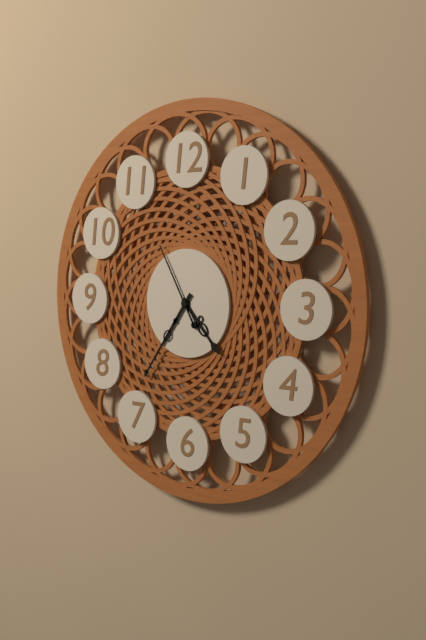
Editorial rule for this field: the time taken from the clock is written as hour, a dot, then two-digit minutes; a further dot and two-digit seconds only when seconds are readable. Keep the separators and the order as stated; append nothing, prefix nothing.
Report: 4.36.55
